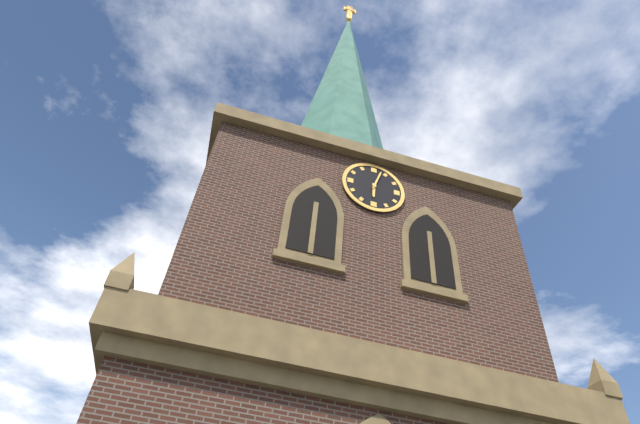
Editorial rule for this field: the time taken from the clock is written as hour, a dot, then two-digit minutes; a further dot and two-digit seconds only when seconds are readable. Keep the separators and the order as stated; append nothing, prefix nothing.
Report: 6.03
